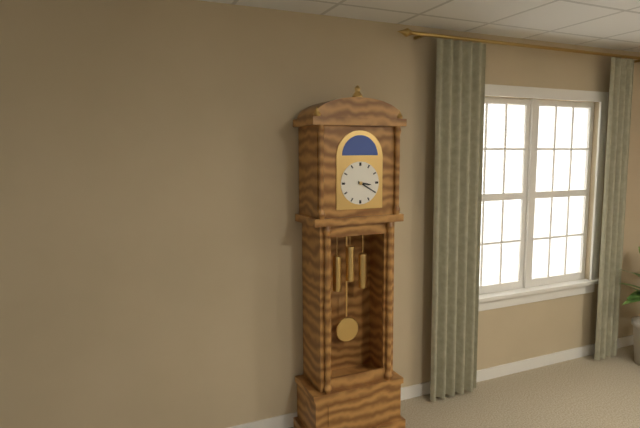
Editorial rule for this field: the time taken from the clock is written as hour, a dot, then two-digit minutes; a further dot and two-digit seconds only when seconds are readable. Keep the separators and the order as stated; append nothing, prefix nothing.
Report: 3.20
